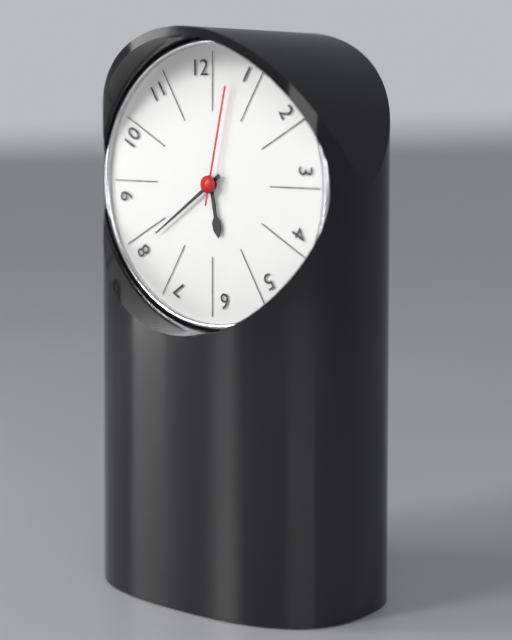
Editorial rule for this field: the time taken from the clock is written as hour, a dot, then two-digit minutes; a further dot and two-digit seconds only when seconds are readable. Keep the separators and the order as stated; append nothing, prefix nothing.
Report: 5.39.02
